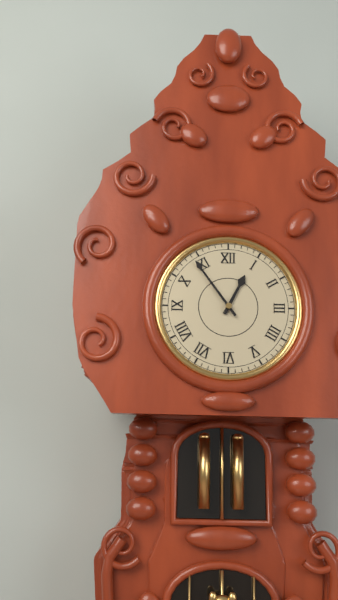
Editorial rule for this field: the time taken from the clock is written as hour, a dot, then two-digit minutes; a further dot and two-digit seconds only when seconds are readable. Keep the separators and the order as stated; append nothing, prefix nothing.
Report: 12.54
